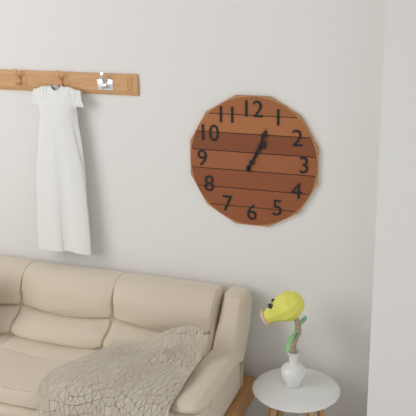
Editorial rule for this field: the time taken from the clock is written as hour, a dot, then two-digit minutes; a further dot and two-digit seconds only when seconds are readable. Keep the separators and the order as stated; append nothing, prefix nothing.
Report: 1.04
